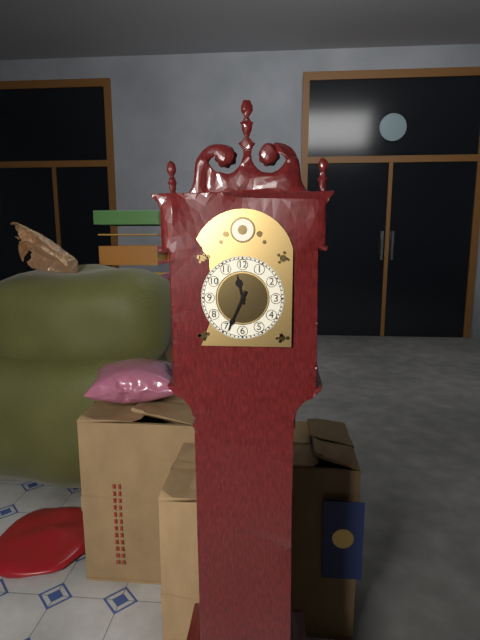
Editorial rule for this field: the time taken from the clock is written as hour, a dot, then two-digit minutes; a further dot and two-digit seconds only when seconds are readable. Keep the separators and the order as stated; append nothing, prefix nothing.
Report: 11.34
